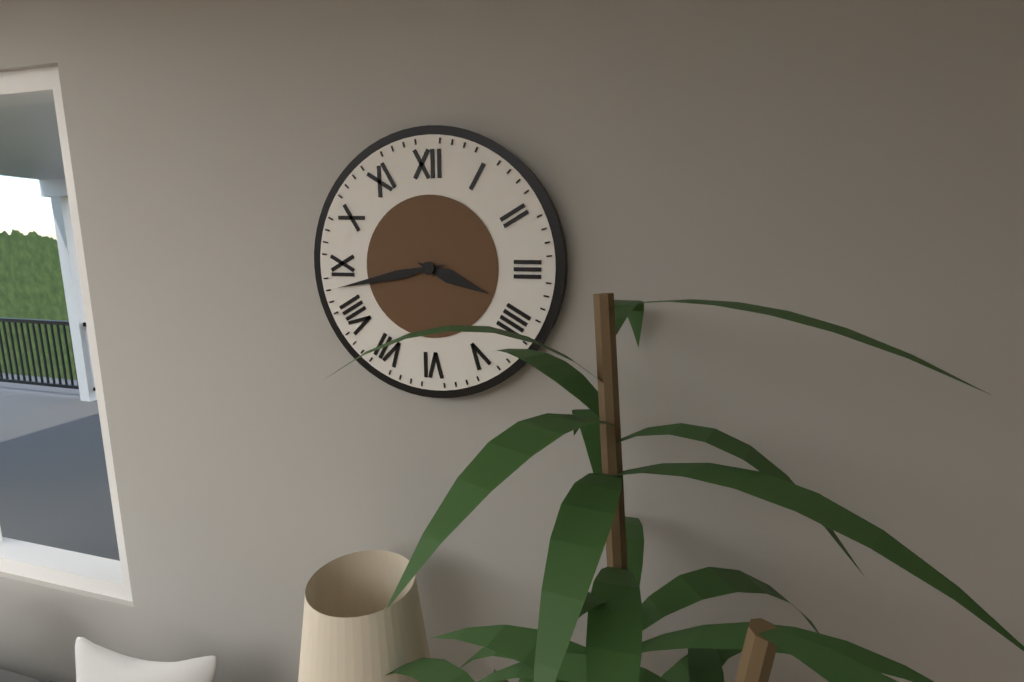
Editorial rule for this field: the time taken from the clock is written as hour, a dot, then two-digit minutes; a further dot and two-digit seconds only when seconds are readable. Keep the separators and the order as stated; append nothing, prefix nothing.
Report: 3.43
